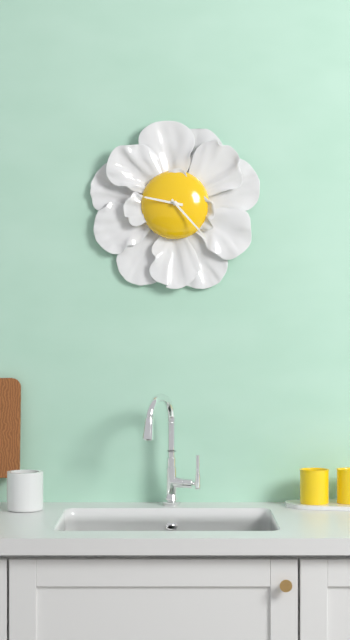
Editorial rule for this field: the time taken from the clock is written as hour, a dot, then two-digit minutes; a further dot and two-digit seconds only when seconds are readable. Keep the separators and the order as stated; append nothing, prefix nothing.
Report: 9.23
